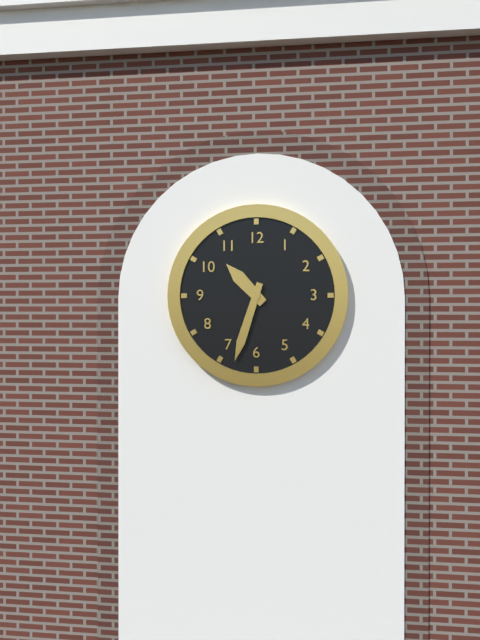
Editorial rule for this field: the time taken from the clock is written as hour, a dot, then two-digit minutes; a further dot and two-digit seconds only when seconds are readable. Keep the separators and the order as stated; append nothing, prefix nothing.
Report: 10.33
